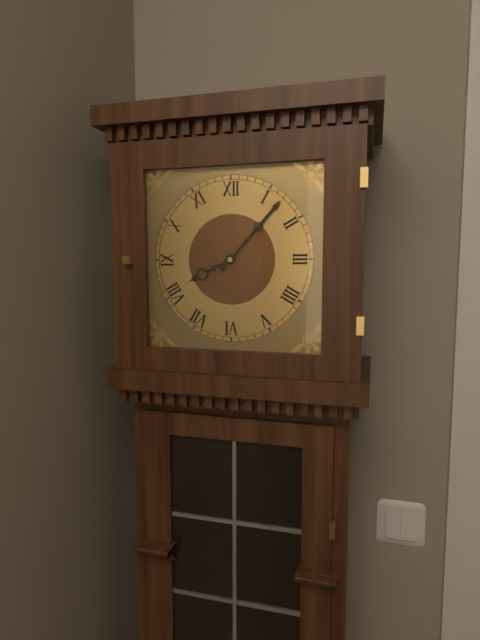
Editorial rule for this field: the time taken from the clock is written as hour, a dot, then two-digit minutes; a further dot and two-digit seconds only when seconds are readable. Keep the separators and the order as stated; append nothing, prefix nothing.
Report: 8.07
